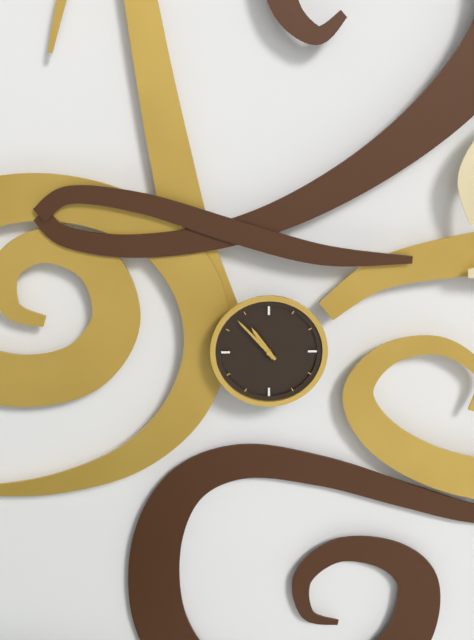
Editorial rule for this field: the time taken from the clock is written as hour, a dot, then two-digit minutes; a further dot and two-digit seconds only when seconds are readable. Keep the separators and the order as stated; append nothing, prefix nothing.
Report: 10.53
